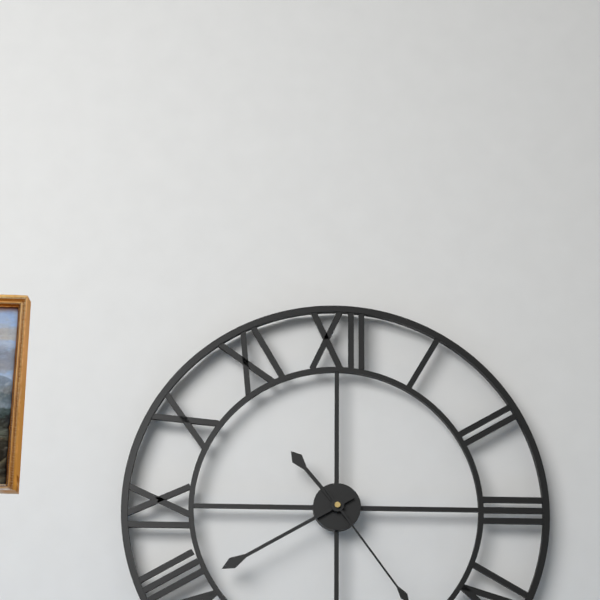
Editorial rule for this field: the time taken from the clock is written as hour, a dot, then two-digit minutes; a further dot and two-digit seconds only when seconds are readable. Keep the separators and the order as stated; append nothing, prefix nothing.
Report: 10.40
